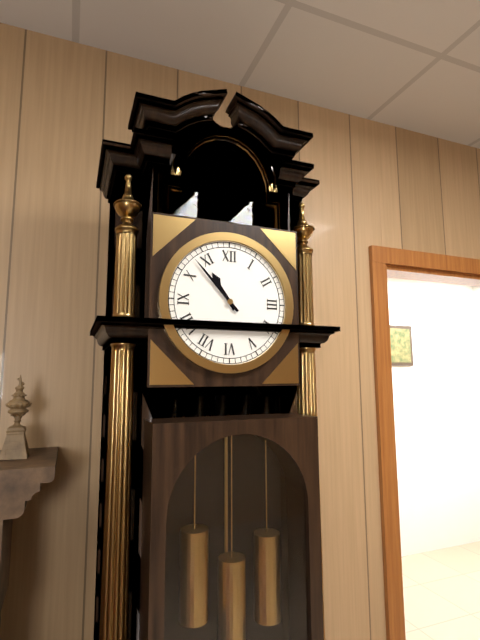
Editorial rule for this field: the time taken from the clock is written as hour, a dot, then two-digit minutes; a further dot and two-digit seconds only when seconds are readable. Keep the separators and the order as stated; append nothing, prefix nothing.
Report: 10.53
